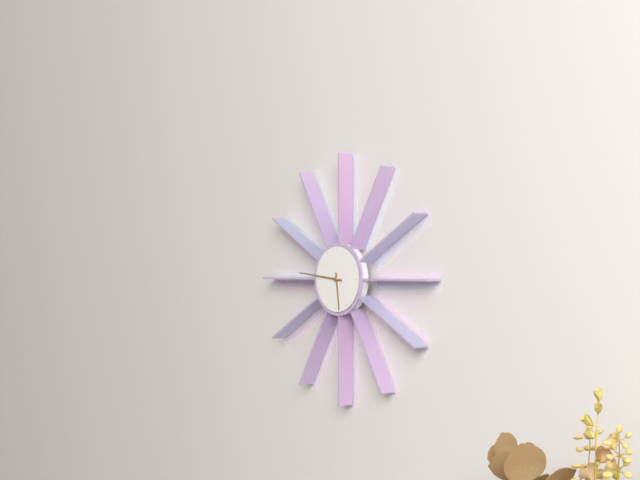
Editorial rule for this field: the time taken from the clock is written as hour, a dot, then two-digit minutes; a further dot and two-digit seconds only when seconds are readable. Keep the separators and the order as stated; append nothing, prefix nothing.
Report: 5.46
